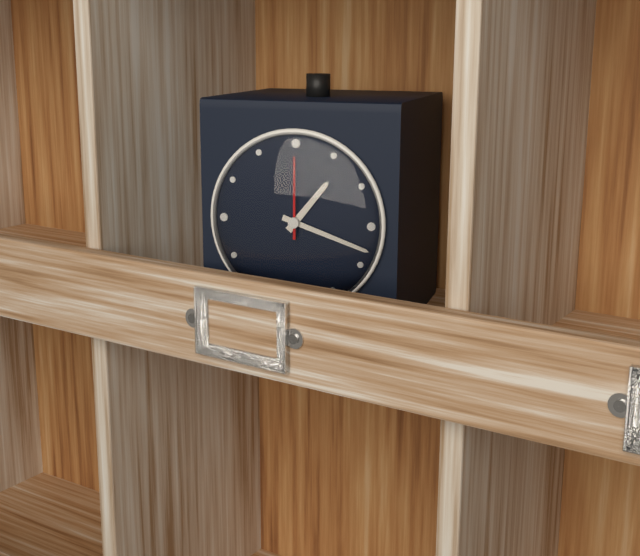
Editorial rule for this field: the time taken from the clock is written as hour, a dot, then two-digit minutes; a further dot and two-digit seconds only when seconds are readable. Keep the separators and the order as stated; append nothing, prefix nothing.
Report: 1.18.00
